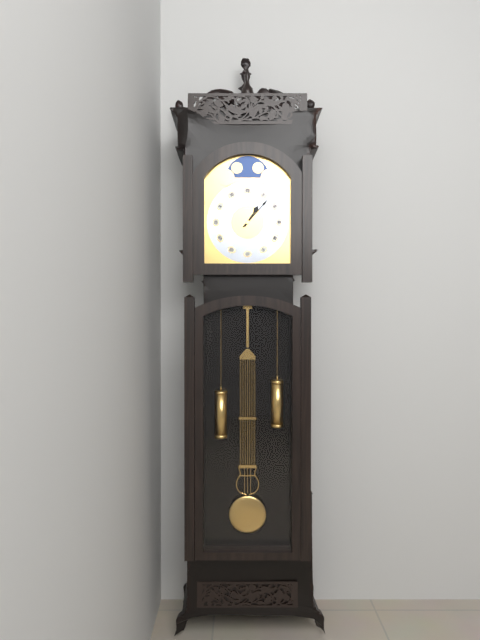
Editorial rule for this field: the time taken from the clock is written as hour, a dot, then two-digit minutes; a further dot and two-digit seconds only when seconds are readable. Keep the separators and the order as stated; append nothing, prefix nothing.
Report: 1.07
